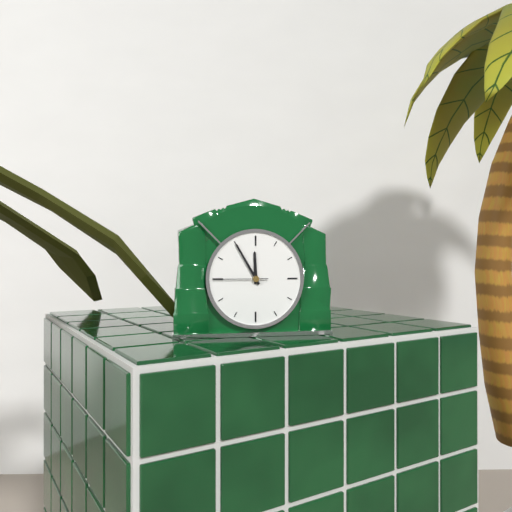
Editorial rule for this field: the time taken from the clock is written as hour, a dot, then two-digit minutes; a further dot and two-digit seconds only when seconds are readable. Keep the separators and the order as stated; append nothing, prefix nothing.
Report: 11.55.45
